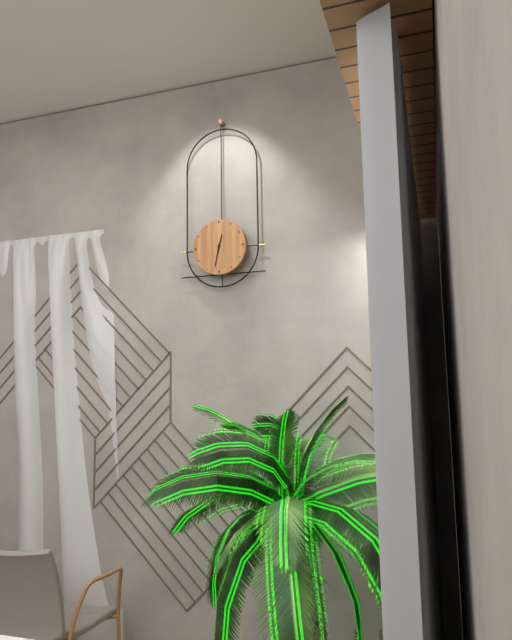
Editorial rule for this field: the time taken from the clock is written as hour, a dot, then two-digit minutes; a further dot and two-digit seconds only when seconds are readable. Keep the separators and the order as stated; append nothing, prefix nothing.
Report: 12.32
